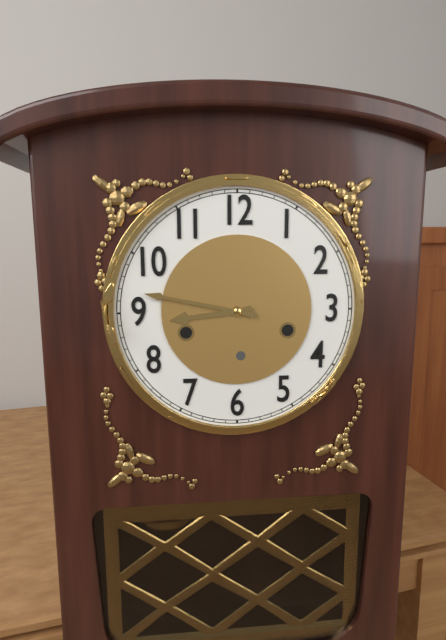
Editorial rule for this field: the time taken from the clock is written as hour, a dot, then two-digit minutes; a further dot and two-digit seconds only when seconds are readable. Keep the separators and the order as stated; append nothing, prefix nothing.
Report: 8.47
